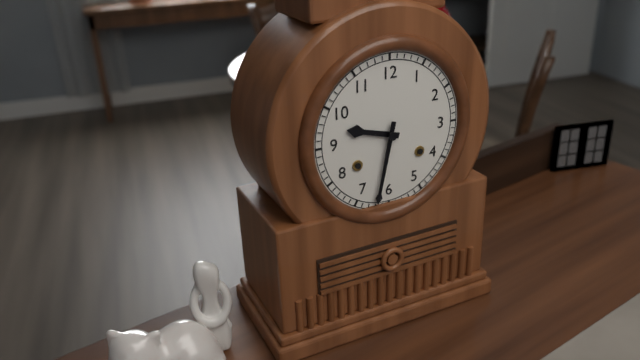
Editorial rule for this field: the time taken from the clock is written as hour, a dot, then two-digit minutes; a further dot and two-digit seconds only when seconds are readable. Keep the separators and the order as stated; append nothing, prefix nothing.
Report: 9.32
